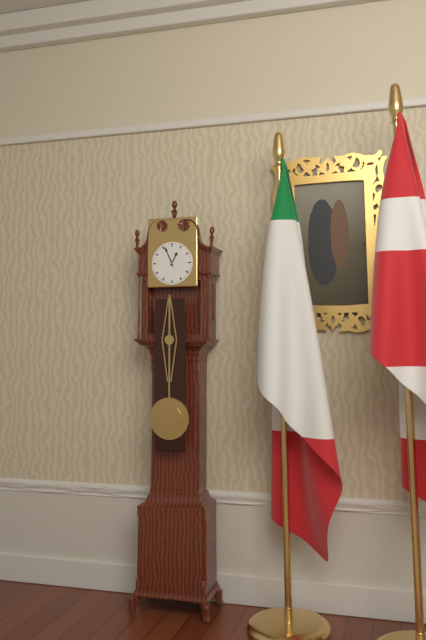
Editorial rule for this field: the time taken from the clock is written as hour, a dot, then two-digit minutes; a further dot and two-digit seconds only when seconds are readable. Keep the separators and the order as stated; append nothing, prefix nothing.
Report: 12.56
